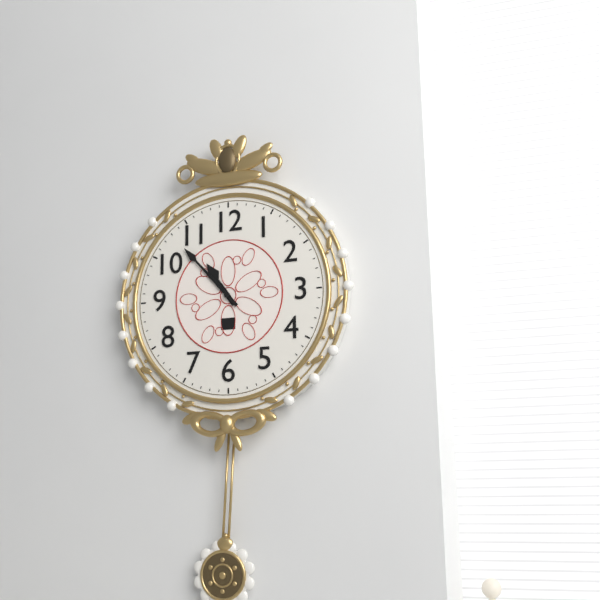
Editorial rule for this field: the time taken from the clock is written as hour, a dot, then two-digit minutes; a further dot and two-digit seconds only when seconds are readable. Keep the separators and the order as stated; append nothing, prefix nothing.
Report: 10.53
